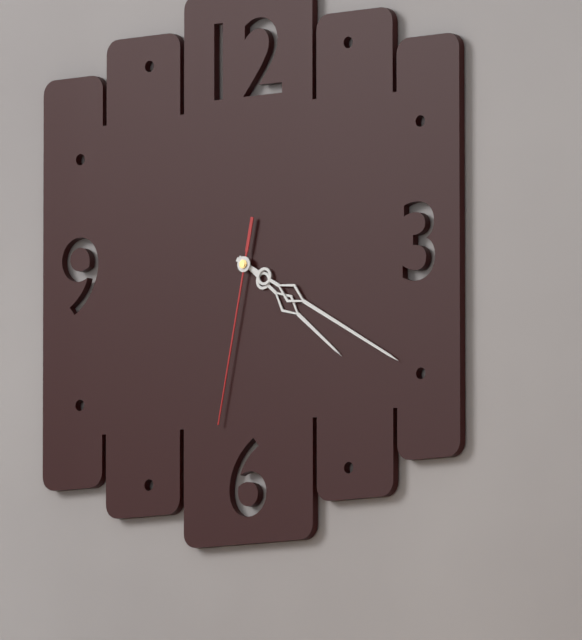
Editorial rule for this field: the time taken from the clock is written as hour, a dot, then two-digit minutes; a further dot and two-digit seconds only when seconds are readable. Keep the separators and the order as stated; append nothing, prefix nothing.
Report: 4.20.32
